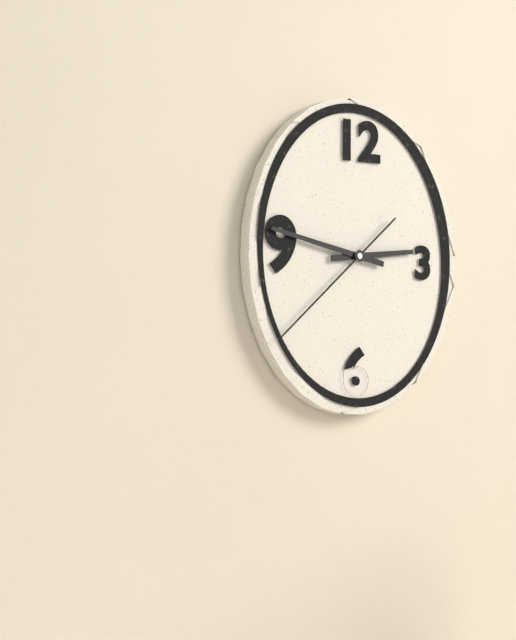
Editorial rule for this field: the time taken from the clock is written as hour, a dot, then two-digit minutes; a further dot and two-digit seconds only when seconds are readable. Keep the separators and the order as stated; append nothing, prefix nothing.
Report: 2.47.38
